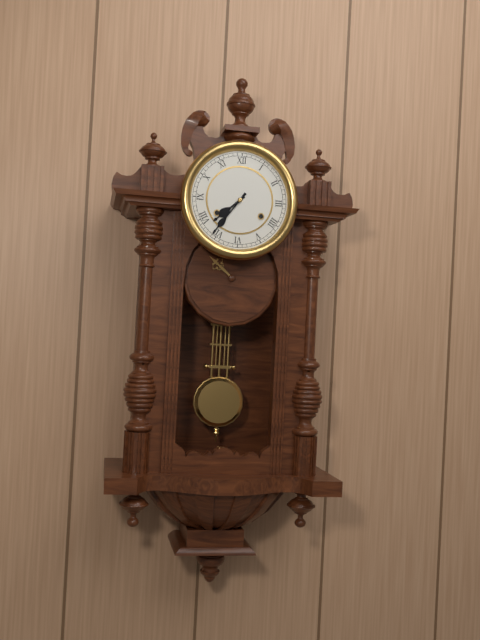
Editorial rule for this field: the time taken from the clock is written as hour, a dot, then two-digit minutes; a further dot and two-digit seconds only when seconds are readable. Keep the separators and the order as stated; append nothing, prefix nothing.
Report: 7.36
